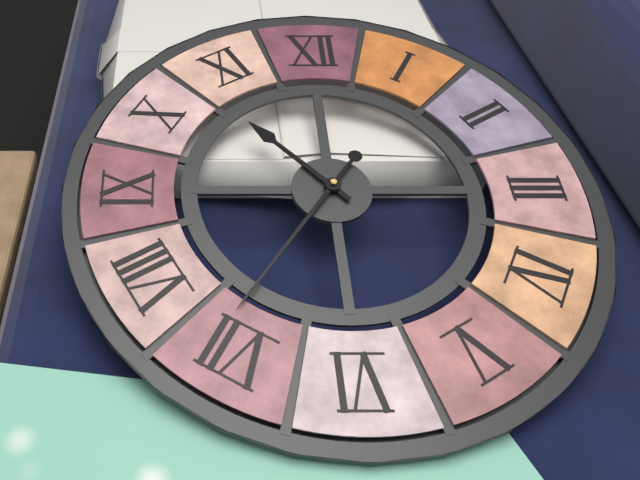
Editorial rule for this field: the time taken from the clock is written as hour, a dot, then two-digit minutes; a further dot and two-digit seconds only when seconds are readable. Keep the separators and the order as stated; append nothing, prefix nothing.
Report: 10.36
